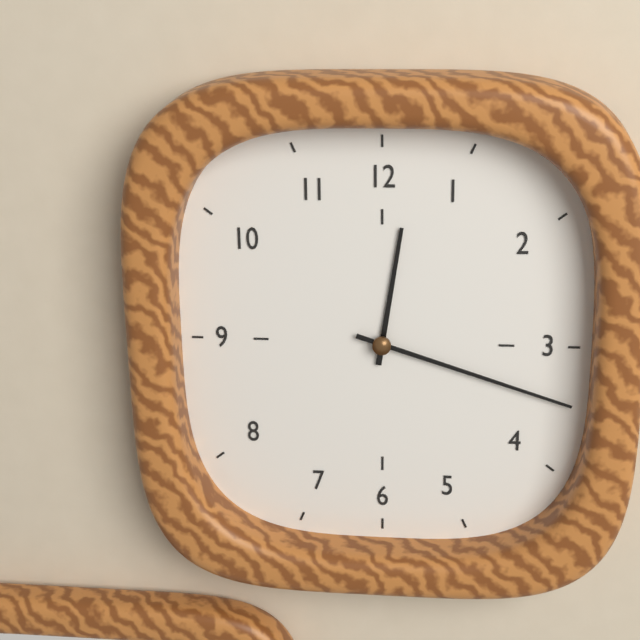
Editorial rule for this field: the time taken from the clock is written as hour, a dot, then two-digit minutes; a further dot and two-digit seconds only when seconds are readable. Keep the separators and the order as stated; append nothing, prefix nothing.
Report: 12.18
